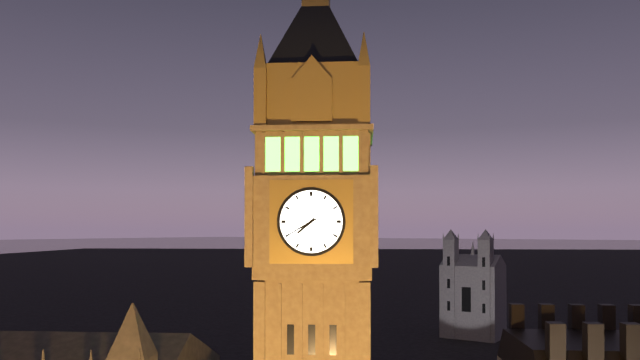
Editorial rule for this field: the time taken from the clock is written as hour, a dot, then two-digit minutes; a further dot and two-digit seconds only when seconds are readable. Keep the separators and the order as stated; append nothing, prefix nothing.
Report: 7.40
